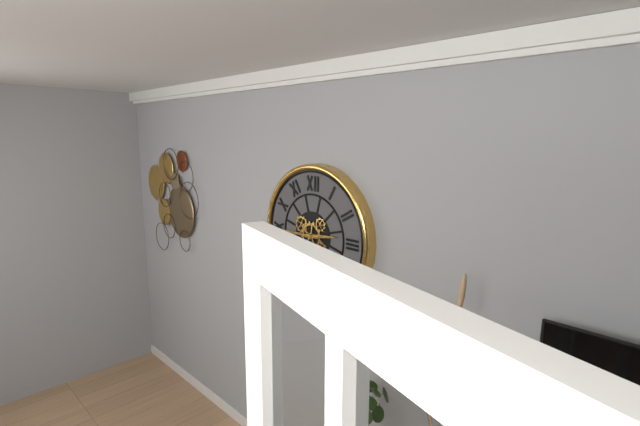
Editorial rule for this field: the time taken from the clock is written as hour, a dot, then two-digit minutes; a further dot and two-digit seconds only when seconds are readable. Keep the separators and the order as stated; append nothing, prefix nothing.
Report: 2.45
